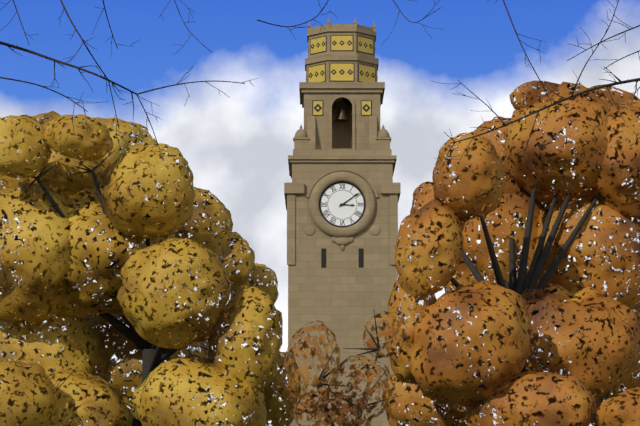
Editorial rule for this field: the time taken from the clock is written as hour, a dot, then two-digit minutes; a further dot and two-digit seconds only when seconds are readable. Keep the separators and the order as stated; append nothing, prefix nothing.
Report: 3.09
